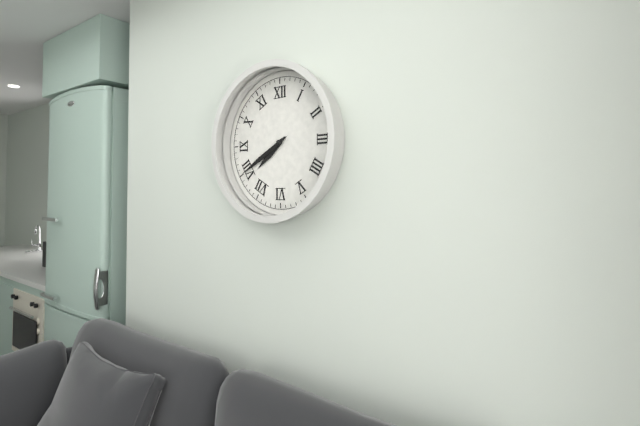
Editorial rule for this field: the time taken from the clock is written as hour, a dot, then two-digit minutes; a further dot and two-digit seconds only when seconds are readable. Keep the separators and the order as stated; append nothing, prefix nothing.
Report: 7.40
